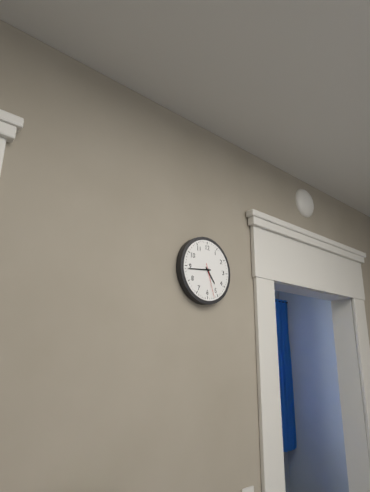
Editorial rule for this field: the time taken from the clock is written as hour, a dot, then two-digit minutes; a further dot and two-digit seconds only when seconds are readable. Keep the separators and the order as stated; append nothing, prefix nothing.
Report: 4.44
